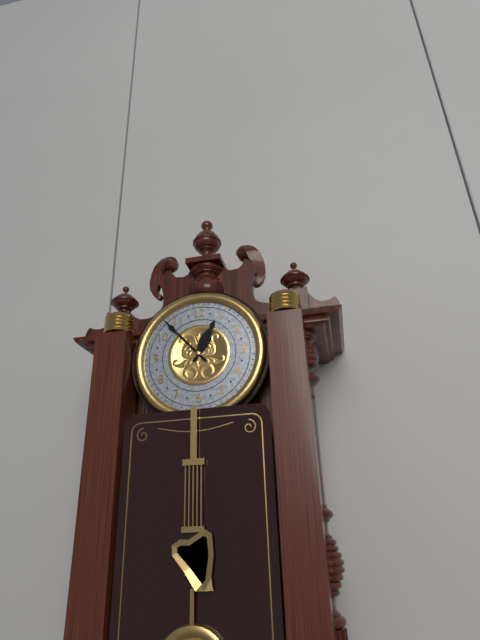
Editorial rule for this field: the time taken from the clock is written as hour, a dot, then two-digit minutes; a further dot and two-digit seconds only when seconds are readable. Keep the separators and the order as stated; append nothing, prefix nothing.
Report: 12.53
